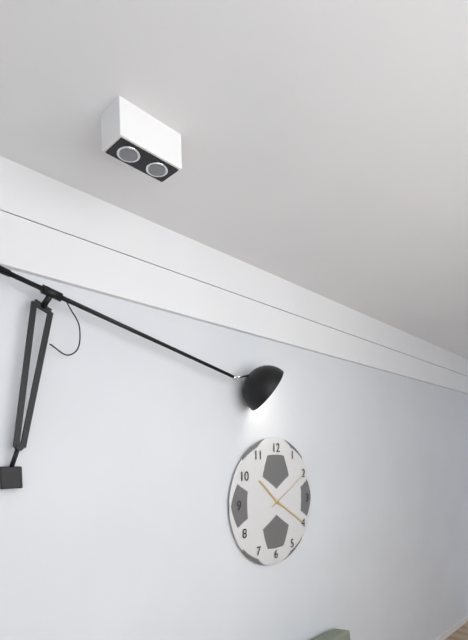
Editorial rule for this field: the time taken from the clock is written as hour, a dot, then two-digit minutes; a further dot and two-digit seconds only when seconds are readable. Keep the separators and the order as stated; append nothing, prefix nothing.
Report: 10.20.10
